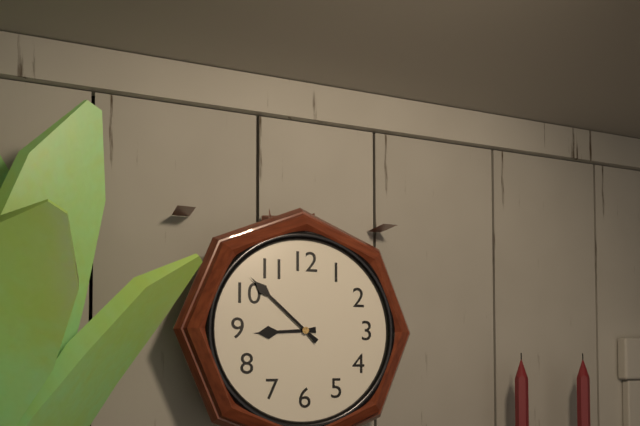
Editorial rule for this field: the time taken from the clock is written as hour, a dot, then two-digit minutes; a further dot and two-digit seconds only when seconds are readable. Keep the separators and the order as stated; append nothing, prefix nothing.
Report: 8.52
